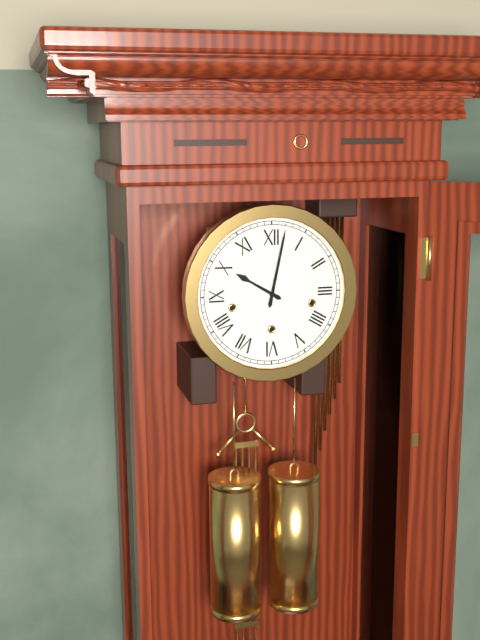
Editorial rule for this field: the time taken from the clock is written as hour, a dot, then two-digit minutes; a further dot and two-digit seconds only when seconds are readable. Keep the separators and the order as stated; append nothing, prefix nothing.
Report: 10.02
